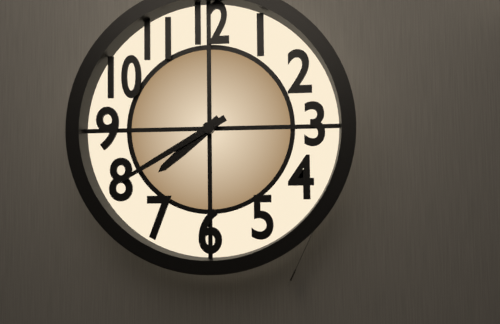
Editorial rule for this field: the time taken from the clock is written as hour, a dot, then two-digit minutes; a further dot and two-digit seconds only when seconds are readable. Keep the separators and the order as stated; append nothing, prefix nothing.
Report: 7.40
